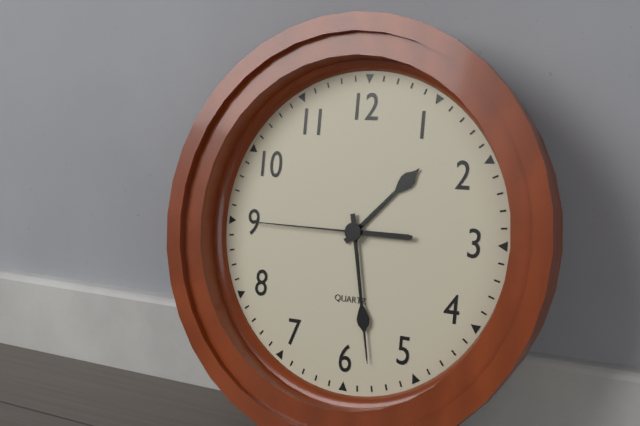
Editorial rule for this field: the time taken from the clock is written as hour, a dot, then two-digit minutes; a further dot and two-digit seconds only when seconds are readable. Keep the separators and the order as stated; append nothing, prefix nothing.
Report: 1.28.45
